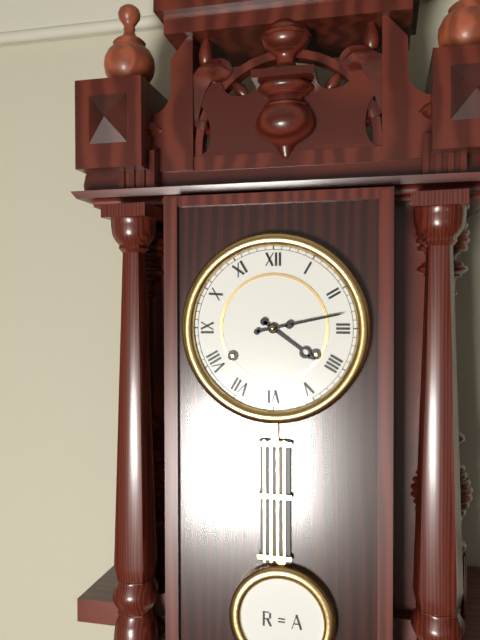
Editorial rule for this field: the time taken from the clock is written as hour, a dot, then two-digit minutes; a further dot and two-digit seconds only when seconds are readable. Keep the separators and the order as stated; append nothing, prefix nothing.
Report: 4.13
